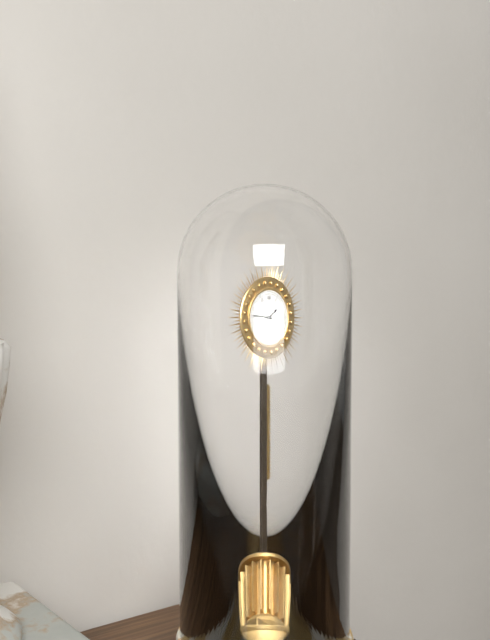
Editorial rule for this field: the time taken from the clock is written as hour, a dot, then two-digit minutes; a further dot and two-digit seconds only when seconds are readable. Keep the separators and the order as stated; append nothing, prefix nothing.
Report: 1.46
